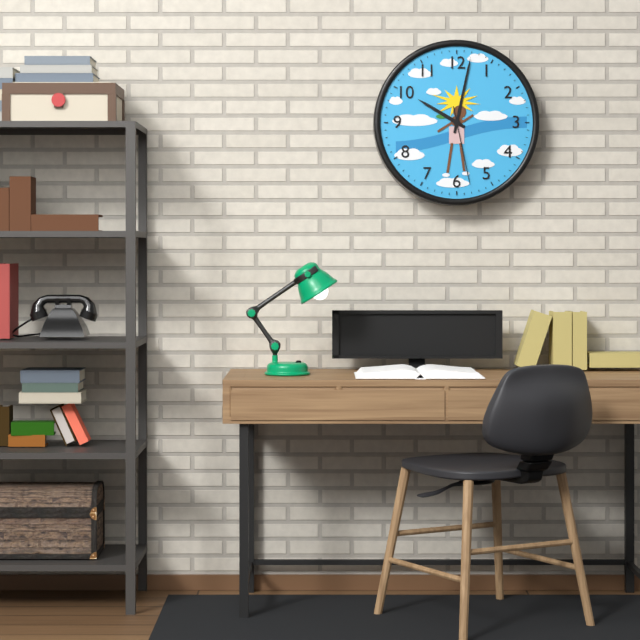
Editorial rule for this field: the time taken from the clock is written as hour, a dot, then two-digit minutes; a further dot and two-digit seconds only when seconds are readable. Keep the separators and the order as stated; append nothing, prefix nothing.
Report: 10.02.28
